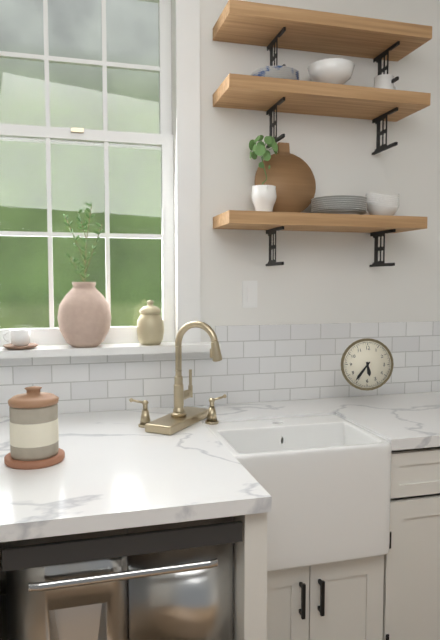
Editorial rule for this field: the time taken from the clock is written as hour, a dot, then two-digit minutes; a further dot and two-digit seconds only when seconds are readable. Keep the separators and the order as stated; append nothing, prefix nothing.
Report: 5.36
